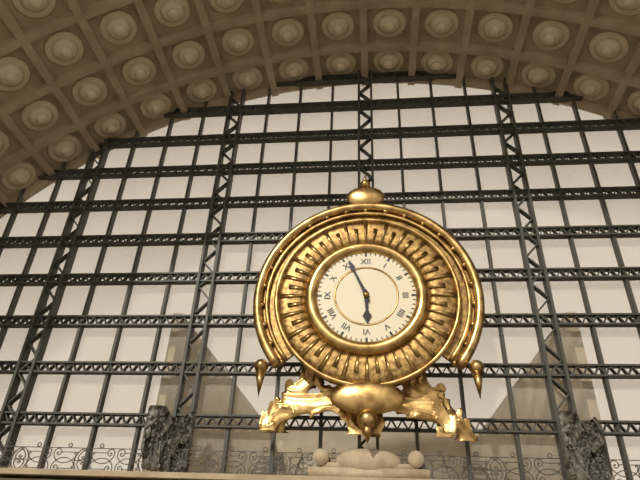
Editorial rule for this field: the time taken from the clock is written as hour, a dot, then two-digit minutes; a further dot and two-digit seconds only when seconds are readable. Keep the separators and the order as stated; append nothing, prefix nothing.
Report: 5.56
